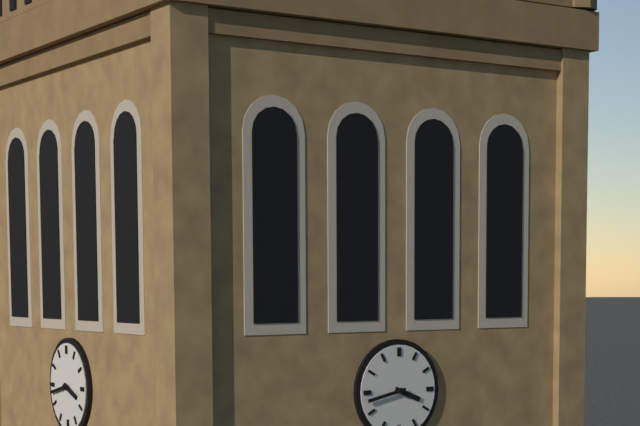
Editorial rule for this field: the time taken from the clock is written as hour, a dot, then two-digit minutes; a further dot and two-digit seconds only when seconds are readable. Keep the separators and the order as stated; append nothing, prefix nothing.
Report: 3.43
